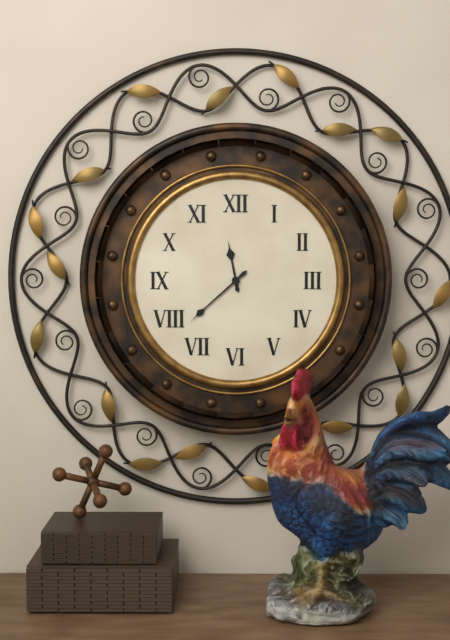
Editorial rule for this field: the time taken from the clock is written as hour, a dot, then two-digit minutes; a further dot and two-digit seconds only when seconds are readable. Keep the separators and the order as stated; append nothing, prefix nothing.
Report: 11.38
